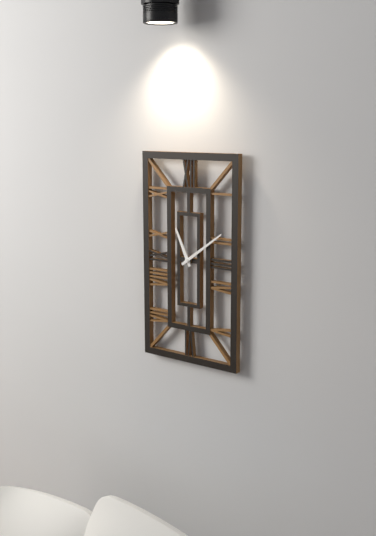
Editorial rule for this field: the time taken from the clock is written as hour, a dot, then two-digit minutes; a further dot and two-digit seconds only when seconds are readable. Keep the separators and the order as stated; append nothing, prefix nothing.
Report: 11.09
